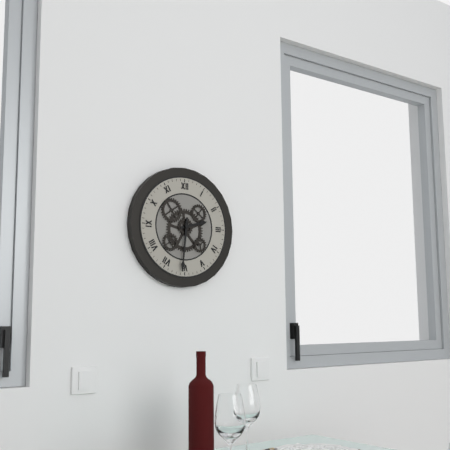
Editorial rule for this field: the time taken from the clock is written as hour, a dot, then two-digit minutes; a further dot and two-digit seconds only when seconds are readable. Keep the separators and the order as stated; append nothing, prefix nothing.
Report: 2.31
